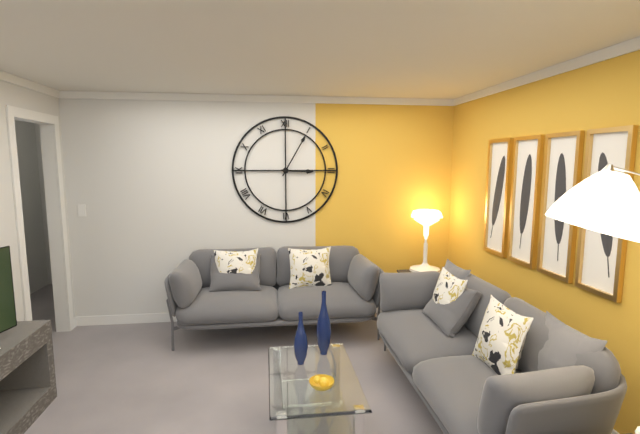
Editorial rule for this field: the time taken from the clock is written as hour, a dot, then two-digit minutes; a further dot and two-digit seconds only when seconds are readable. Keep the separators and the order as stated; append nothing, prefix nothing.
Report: 3.05
